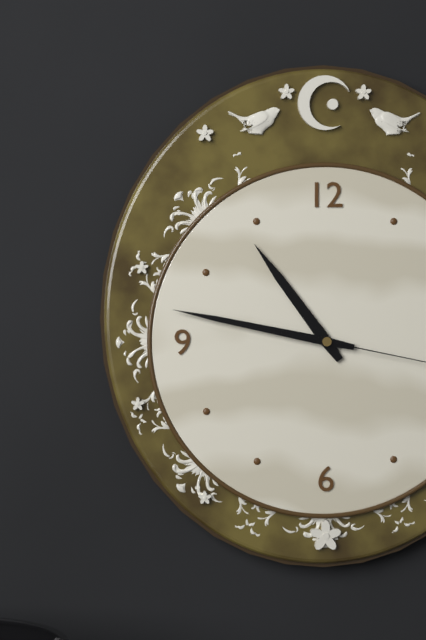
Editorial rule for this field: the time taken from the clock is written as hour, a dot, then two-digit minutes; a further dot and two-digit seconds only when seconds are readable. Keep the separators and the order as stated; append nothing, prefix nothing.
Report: 10.47
